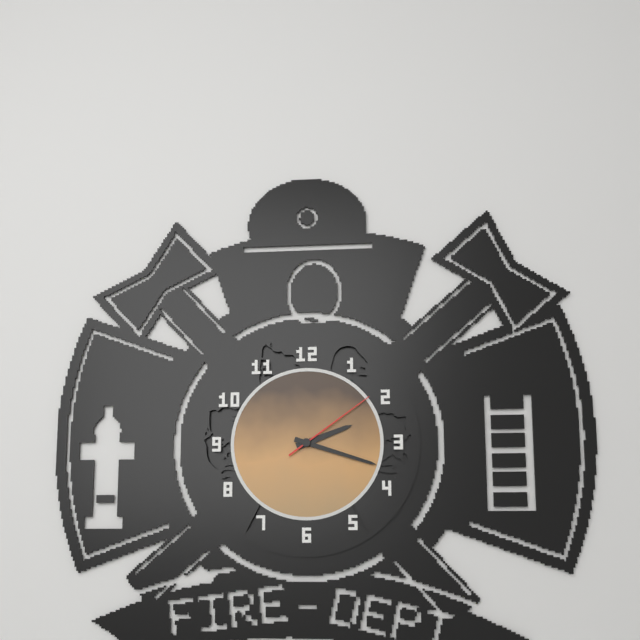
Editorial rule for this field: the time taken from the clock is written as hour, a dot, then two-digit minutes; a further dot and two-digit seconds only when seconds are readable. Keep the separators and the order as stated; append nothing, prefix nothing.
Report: 2.18.09
